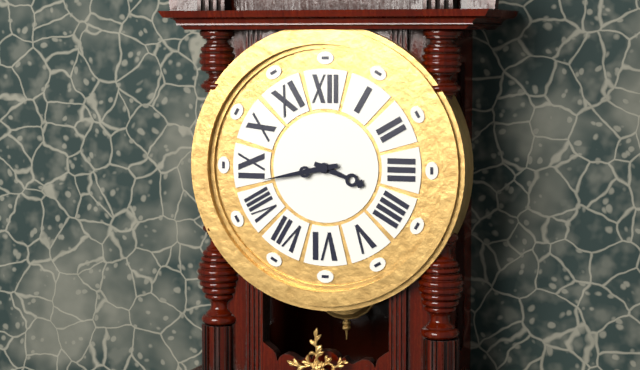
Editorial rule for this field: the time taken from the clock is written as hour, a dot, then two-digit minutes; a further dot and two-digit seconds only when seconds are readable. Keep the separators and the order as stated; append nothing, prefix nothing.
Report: 3.43
